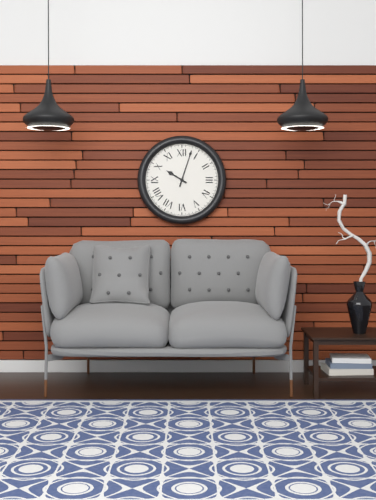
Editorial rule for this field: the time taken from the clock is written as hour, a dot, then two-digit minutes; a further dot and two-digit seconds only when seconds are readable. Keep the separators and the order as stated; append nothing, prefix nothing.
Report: 10.03
